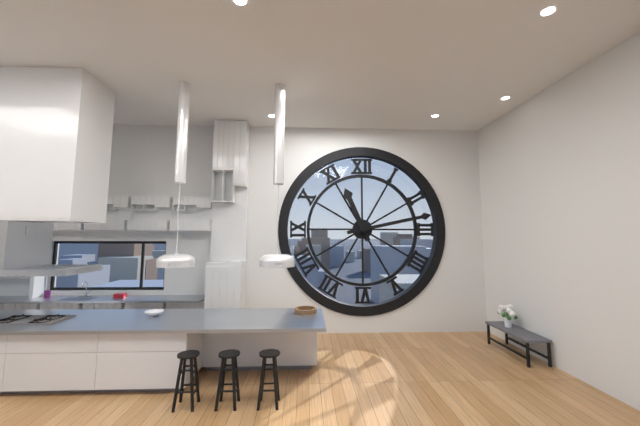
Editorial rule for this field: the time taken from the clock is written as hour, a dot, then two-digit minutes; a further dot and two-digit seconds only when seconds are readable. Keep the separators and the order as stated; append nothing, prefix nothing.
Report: 11.13
